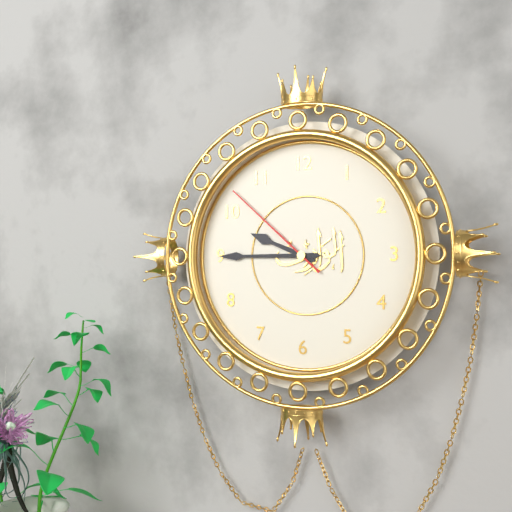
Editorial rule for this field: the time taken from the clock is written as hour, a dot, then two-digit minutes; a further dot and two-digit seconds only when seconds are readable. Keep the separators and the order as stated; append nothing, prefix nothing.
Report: 9.45.52
